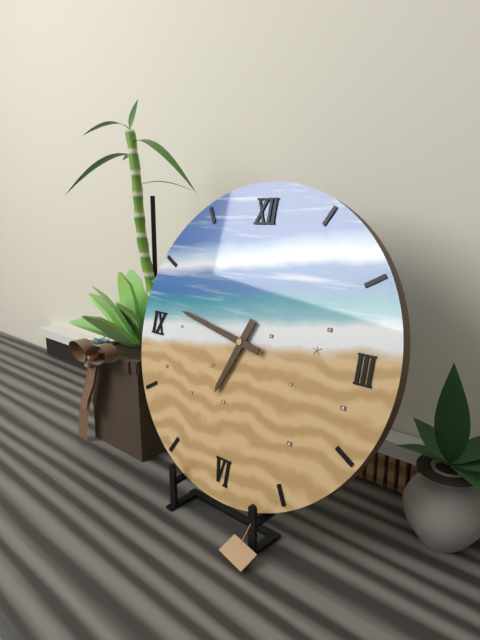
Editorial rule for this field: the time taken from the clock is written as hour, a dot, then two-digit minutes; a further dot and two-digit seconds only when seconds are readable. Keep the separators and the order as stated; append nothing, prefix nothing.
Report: 6.47
